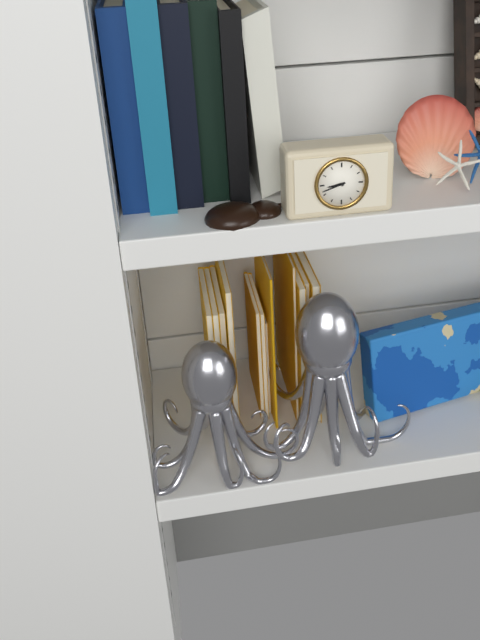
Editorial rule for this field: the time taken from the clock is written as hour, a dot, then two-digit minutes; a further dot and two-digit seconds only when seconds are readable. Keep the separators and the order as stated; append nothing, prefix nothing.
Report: 8.42
